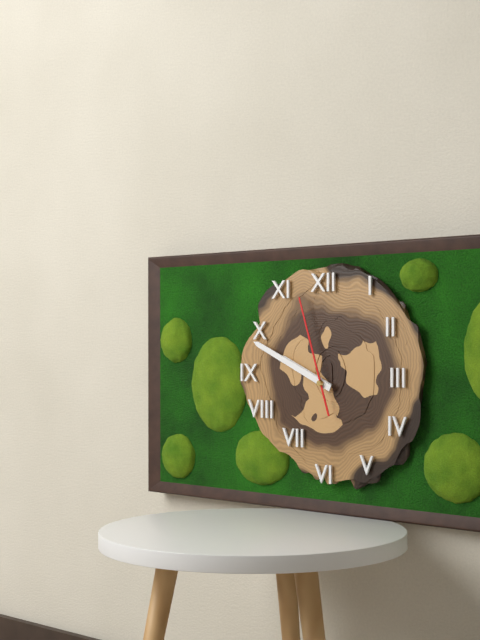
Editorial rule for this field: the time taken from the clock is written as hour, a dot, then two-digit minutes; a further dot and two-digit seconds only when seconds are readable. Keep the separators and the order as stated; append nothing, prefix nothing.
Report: 9.49.57
